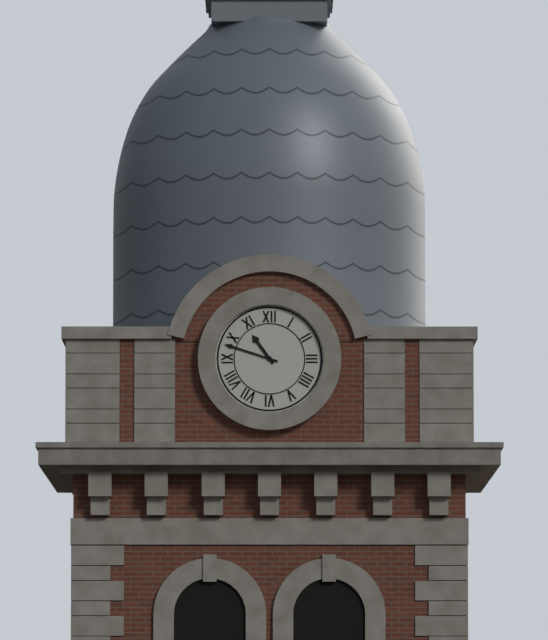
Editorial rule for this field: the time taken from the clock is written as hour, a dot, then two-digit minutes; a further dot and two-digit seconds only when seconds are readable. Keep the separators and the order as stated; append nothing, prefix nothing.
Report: 10.48
